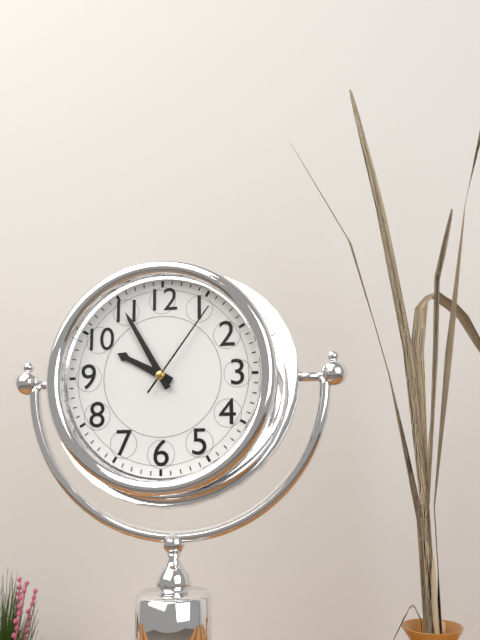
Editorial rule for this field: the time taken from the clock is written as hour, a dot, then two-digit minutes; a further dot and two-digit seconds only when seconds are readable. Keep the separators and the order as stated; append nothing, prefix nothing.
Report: 9.55.06
